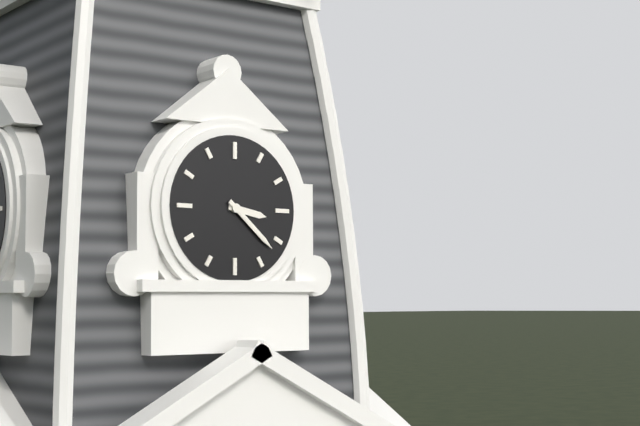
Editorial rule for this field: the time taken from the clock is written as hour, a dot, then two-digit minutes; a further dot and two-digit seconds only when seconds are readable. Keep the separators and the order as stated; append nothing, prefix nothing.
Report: 3.22
